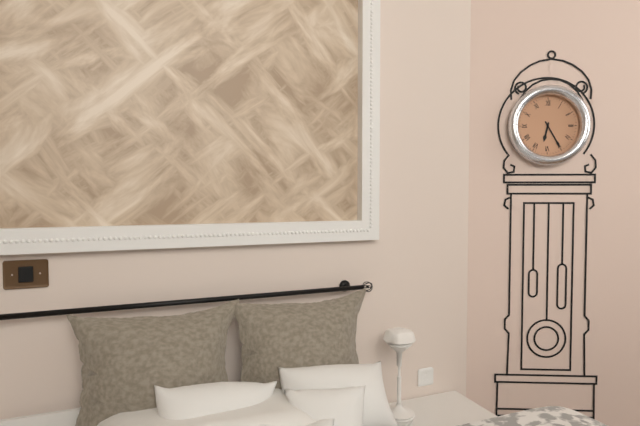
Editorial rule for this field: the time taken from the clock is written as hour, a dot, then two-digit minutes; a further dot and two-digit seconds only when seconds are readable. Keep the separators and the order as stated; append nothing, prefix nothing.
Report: 6.25
